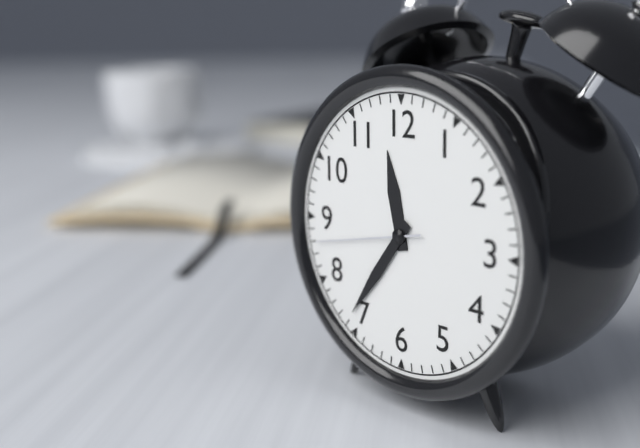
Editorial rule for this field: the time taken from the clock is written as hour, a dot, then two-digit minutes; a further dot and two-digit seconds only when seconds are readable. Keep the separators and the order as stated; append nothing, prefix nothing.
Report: 11.36.43
